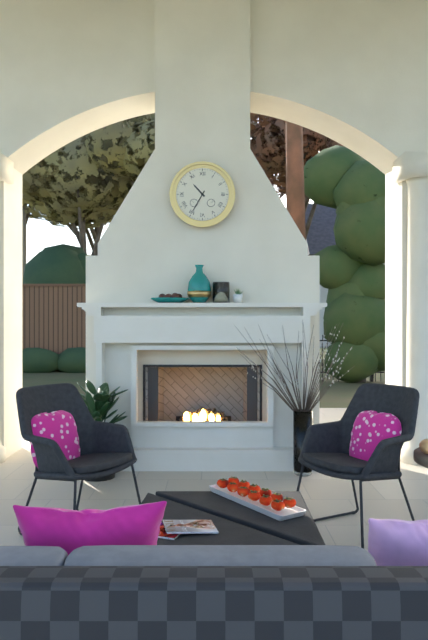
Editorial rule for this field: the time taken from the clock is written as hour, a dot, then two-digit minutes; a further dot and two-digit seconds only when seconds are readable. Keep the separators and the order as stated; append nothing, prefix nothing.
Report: 10.35
